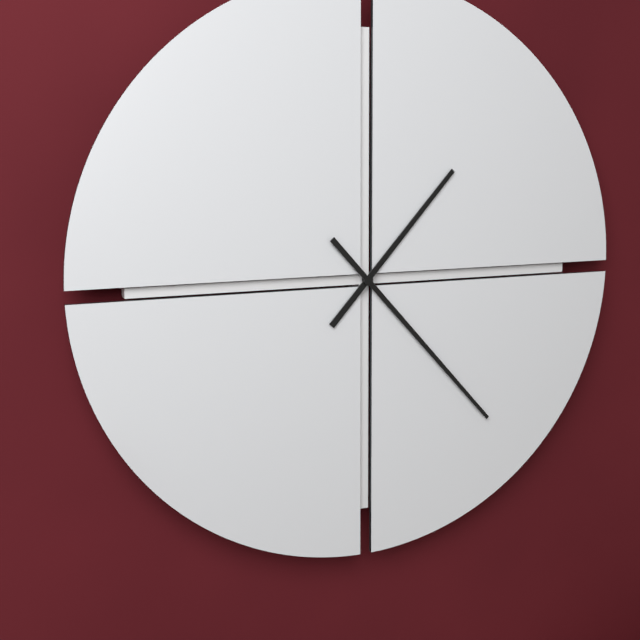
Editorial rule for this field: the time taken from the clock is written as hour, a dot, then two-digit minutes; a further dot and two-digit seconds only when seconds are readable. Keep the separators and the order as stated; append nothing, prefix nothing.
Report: 1.23
